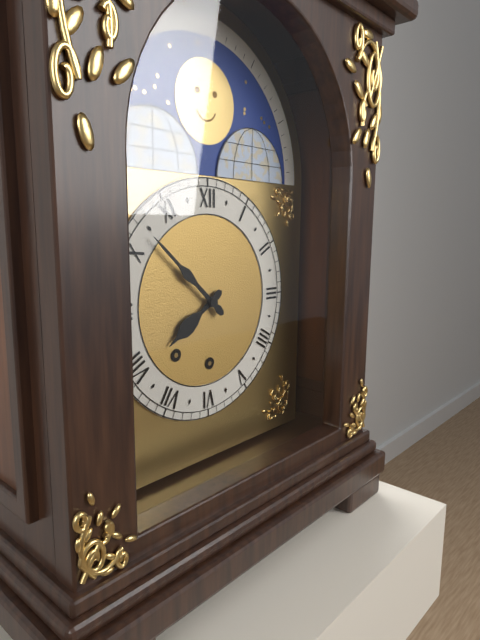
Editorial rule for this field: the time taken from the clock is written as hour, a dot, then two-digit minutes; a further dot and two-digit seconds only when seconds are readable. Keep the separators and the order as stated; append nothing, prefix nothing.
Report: 7.52
